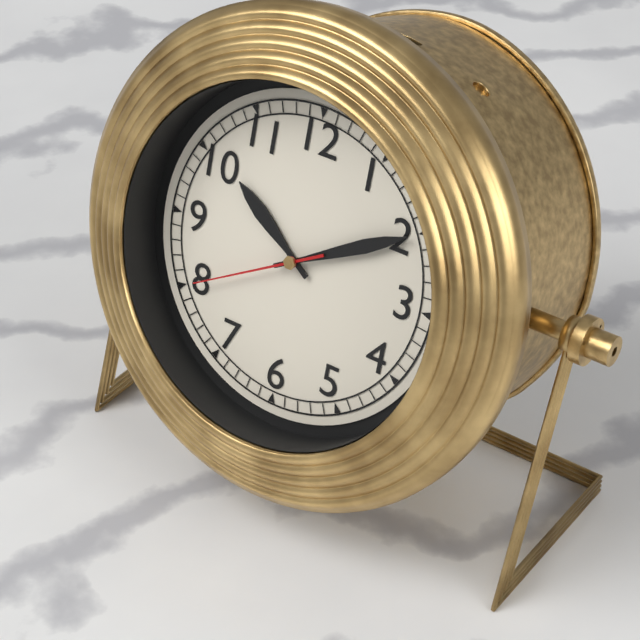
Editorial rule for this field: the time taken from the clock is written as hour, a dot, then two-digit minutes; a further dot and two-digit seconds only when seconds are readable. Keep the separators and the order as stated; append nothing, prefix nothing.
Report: 10.10.40
